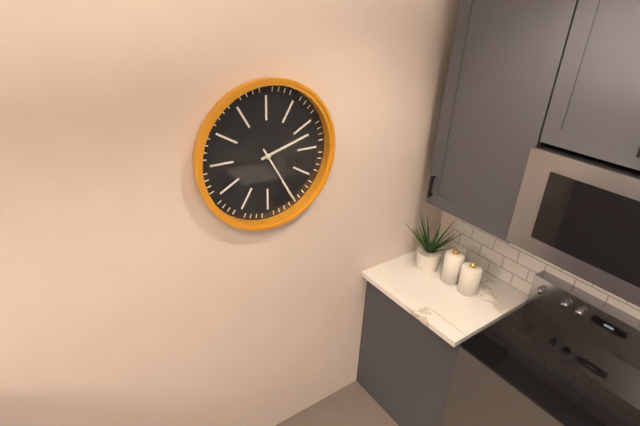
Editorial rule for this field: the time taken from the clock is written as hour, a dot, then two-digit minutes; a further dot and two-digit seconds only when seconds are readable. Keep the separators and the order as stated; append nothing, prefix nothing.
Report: 2.25
